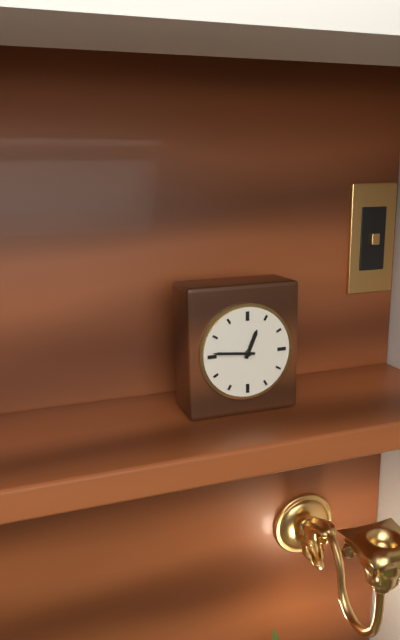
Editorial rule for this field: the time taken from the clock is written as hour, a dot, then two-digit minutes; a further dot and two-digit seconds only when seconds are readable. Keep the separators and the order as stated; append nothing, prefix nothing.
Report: 12.46
